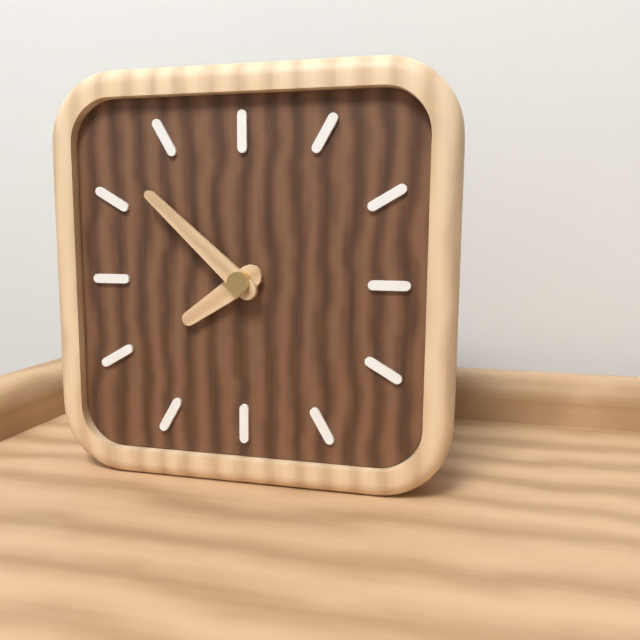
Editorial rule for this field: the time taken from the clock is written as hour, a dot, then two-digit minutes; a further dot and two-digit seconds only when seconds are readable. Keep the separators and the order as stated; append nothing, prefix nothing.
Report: 7.52
